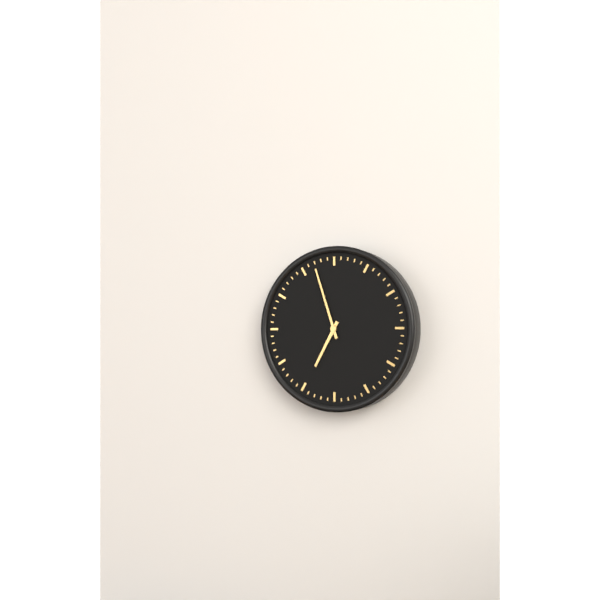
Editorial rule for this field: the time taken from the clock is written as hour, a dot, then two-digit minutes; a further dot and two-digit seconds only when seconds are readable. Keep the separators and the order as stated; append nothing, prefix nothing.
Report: 6.57
